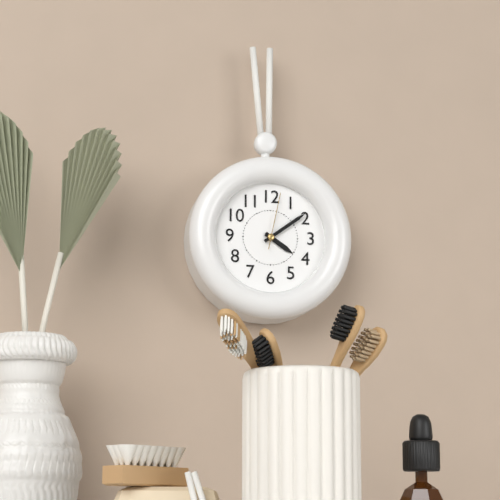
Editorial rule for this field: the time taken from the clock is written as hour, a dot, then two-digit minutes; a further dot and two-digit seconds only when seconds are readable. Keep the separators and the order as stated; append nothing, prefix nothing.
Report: 4.09.02
